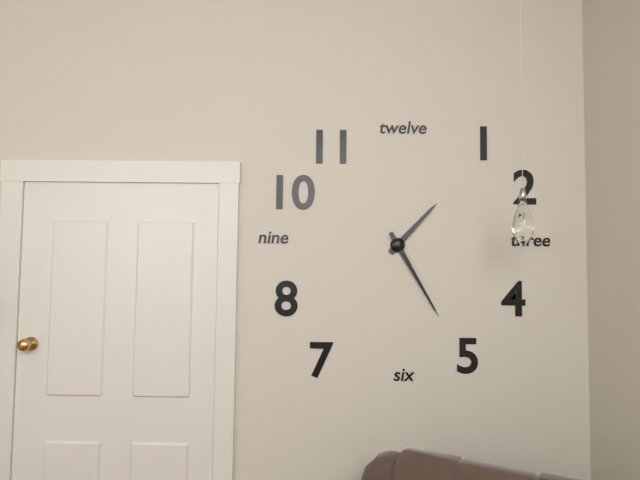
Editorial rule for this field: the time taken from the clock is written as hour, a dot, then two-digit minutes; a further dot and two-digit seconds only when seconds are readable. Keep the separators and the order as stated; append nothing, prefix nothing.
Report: 1.25
